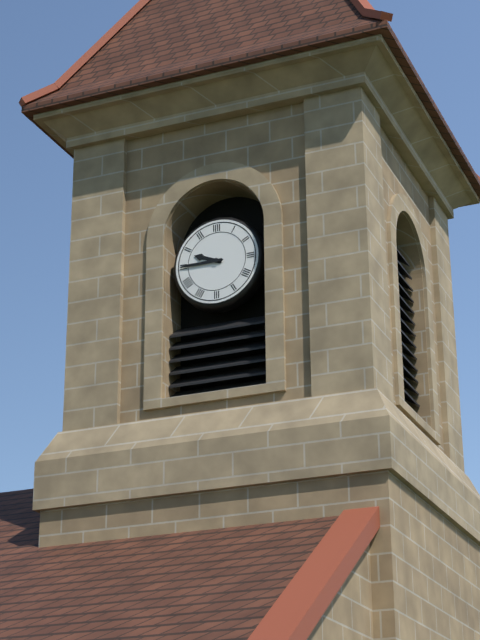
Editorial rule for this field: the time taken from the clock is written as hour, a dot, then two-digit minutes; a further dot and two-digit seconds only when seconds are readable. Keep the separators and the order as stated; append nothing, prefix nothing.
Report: 9.45
